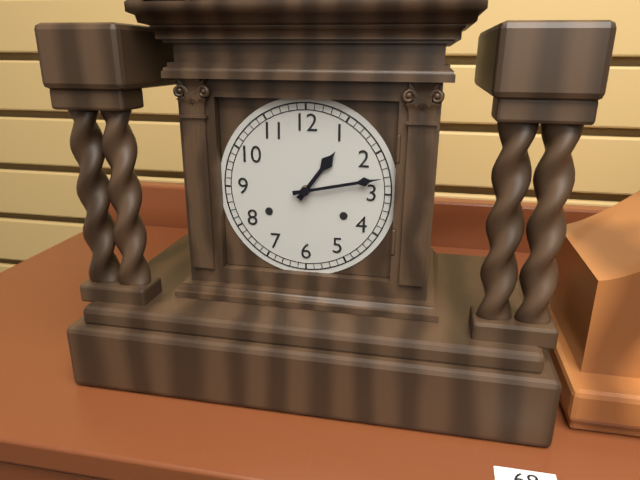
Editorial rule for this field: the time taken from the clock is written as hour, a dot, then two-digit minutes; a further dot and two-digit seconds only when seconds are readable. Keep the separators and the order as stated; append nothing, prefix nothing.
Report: 1.13
